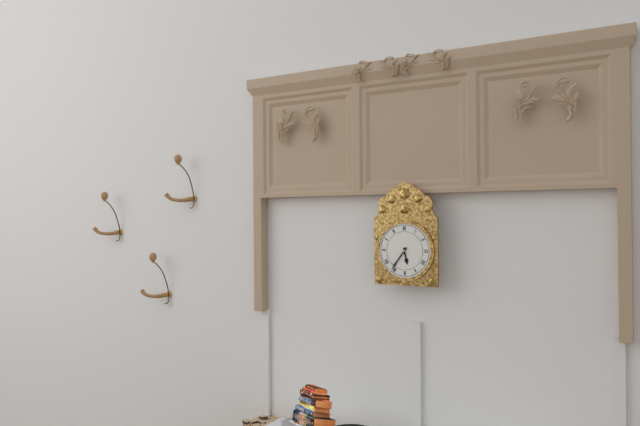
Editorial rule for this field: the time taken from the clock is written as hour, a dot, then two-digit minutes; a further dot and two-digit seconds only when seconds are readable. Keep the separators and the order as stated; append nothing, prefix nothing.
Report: 5.36
